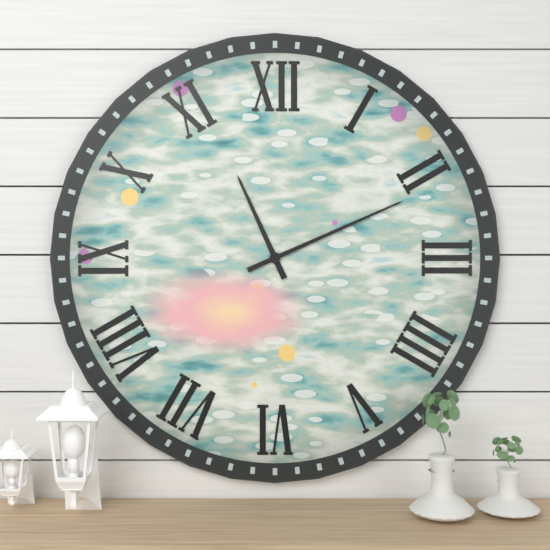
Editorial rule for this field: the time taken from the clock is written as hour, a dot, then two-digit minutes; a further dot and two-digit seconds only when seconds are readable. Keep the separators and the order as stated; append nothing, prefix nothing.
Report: 11.11
